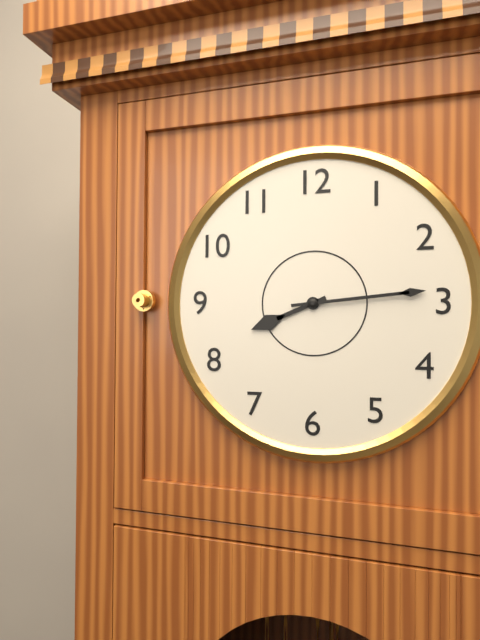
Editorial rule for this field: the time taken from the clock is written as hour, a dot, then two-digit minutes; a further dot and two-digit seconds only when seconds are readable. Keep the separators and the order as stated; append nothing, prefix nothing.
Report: 8.14
